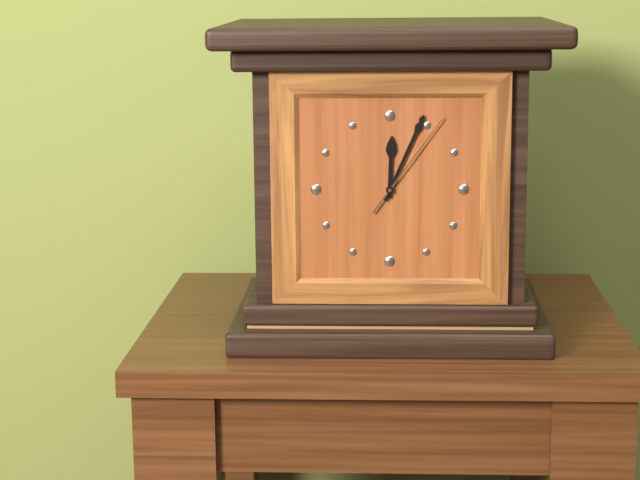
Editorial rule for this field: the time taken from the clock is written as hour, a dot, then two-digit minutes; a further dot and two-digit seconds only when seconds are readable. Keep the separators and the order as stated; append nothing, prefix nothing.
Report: 12.04.06
